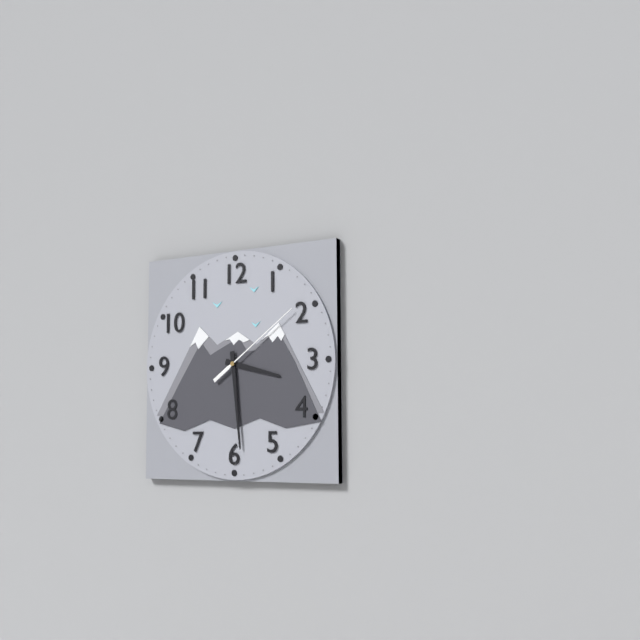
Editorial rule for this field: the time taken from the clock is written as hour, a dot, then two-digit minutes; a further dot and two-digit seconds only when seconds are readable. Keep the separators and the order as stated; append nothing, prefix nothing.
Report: 3.29.09
